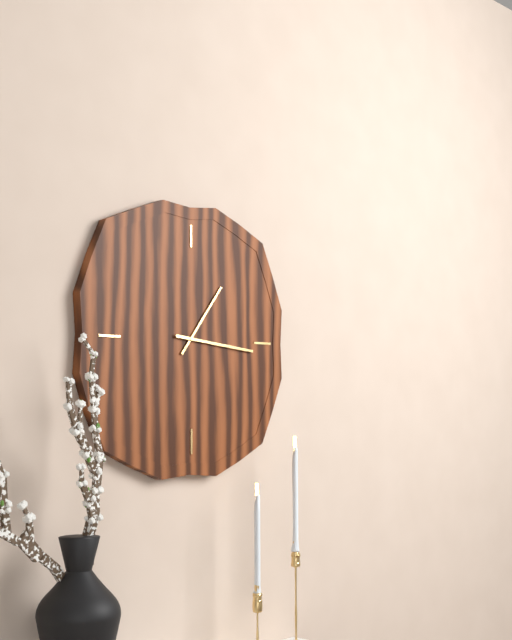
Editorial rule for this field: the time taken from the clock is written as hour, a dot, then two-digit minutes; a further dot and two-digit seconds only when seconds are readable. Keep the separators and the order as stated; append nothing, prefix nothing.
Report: 1.16
